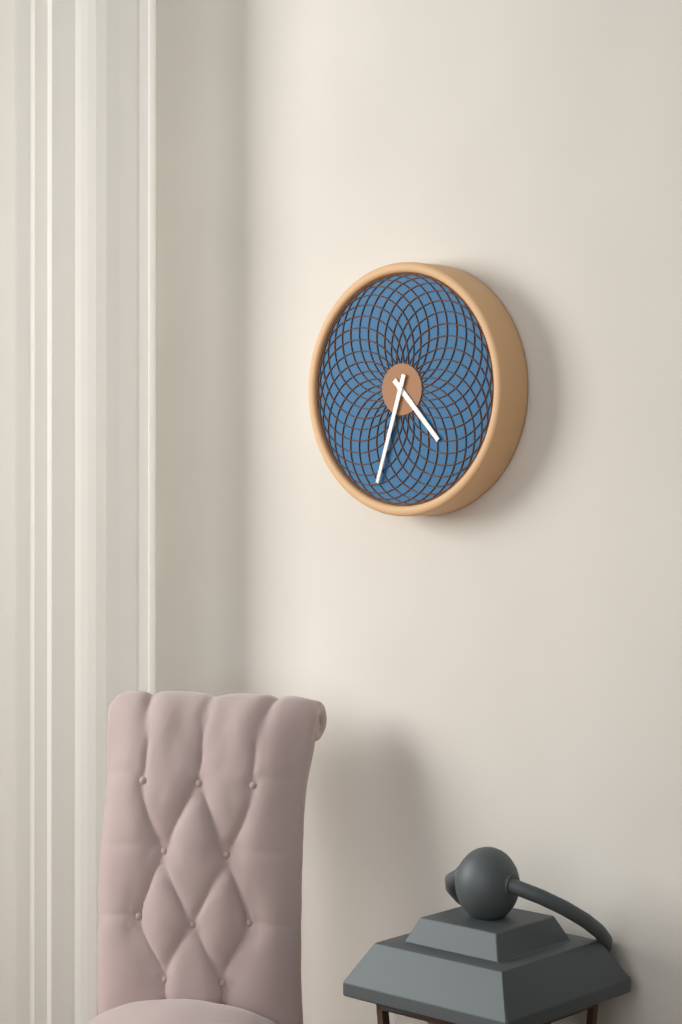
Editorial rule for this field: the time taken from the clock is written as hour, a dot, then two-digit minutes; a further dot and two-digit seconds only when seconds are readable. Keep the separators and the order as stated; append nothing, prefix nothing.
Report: 4.33
